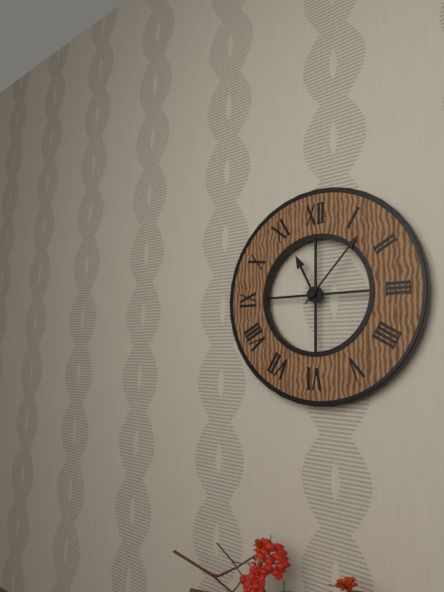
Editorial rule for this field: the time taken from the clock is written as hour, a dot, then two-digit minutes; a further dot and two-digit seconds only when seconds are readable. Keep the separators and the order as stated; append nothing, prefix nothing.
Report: 11.07
